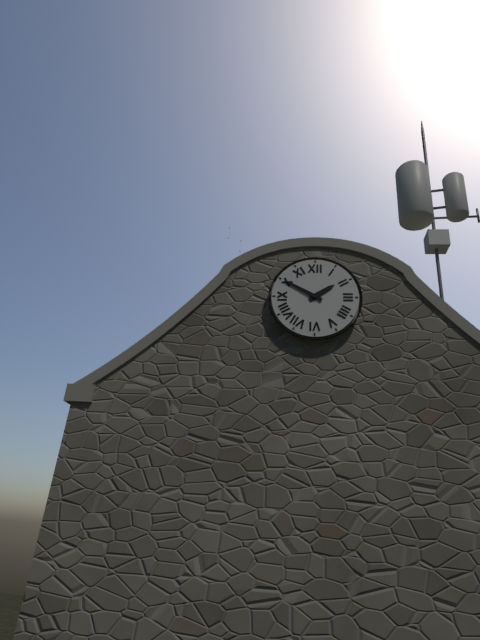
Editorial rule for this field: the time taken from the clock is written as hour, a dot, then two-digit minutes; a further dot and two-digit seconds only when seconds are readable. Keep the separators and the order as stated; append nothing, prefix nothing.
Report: 1.50
